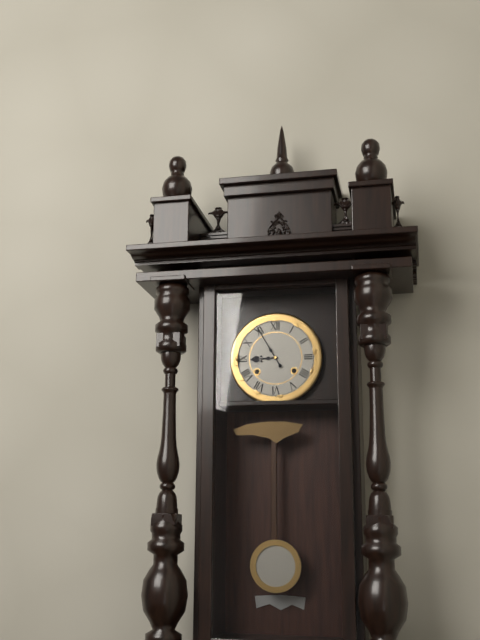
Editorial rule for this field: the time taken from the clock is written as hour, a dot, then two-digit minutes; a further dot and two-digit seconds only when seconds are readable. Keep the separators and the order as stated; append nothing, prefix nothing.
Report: 8.55
